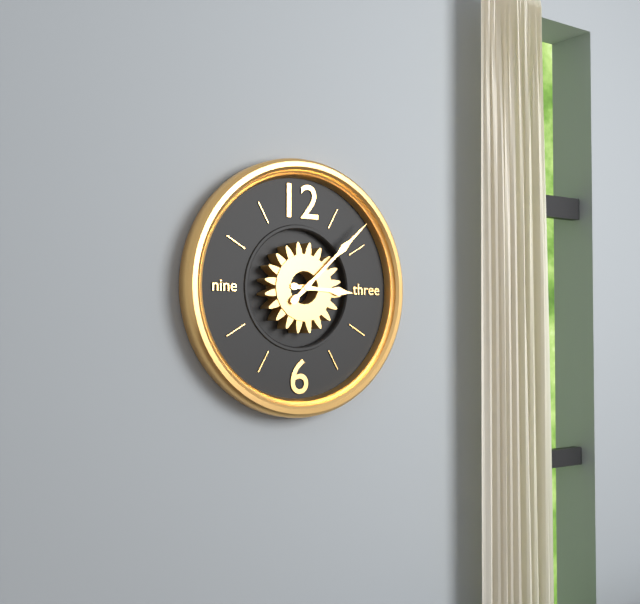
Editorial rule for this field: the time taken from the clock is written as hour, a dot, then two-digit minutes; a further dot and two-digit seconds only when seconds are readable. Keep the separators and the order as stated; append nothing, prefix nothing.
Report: 3.08
